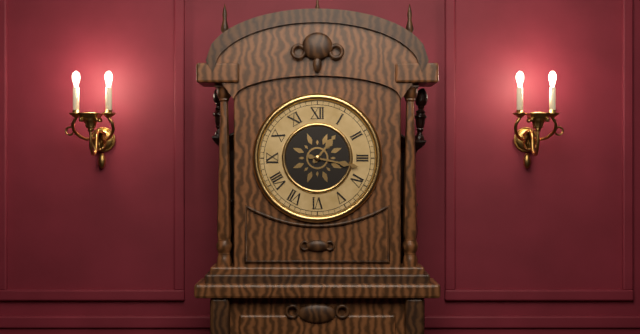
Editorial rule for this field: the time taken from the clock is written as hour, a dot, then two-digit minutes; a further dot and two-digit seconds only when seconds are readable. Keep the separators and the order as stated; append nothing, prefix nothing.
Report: 1.17
